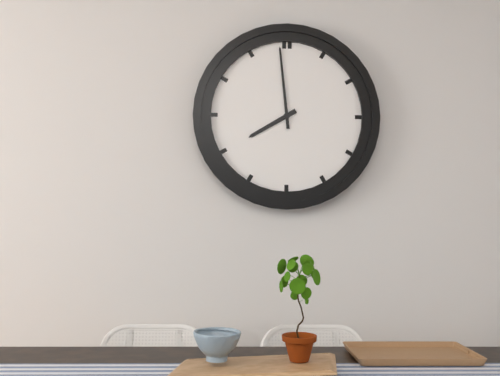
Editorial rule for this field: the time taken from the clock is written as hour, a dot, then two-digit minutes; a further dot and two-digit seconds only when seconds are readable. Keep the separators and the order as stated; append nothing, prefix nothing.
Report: 7.59
